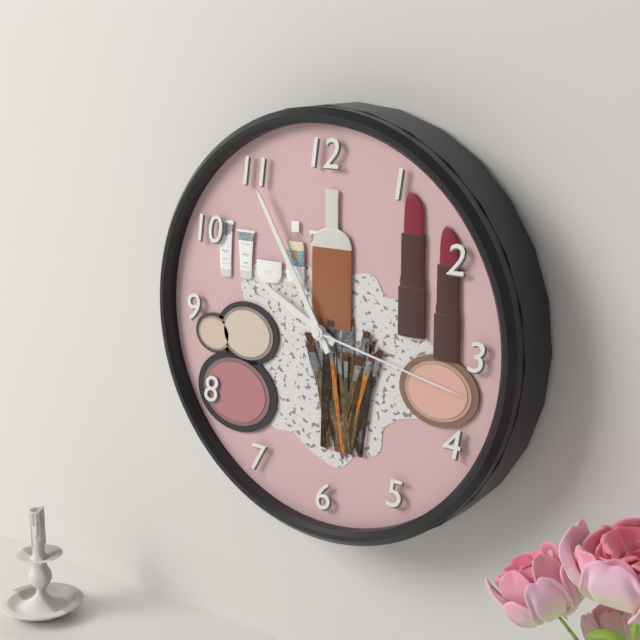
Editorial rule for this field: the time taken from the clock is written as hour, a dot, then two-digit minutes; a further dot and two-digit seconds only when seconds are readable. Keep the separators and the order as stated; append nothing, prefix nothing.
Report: 9.55.17
